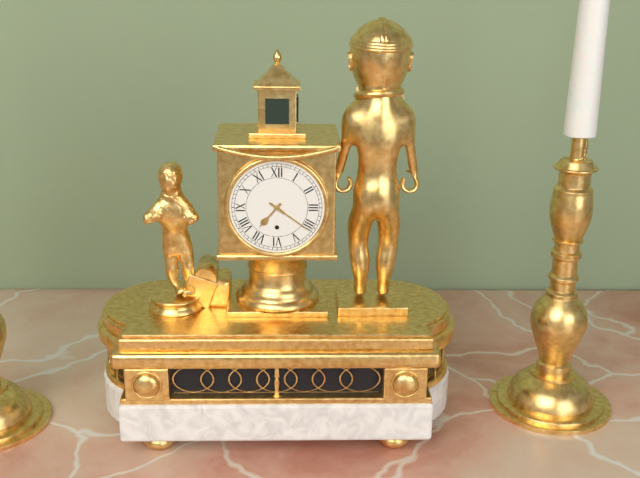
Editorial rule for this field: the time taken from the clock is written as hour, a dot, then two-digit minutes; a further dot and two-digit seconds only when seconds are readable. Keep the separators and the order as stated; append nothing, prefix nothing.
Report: 7.21
